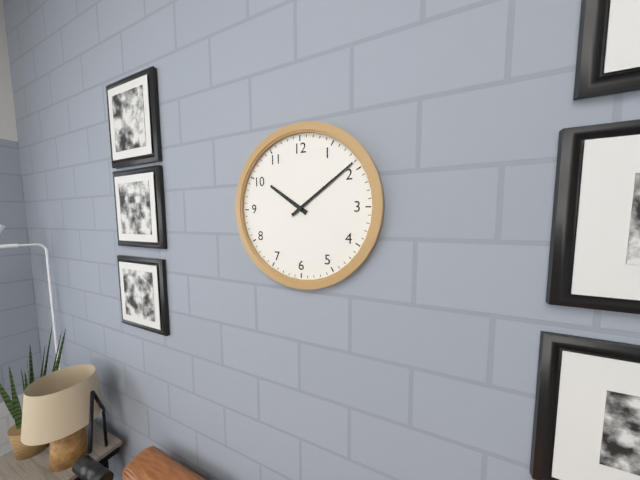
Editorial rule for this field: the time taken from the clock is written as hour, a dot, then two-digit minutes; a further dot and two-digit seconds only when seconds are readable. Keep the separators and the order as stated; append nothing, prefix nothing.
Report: 10.09
